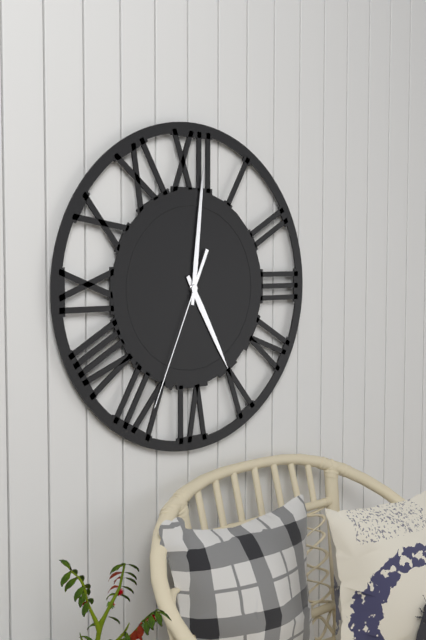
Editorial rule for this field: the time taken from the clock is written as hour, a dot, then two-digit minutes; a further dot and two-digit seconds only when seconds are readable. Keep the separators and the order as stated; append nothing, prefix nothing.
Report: 5.01.34
